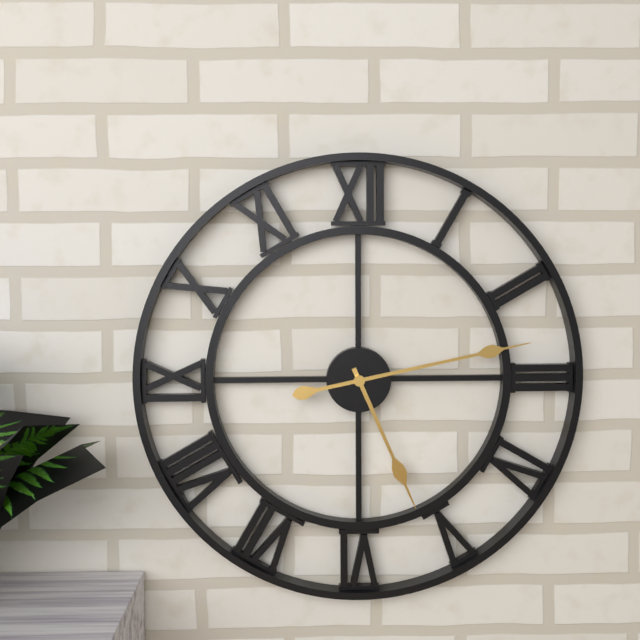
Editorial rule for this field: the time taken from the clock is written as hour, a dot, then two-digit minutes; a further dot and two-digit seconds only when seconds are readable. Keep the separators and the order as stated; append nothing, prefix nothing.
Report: 5.13
